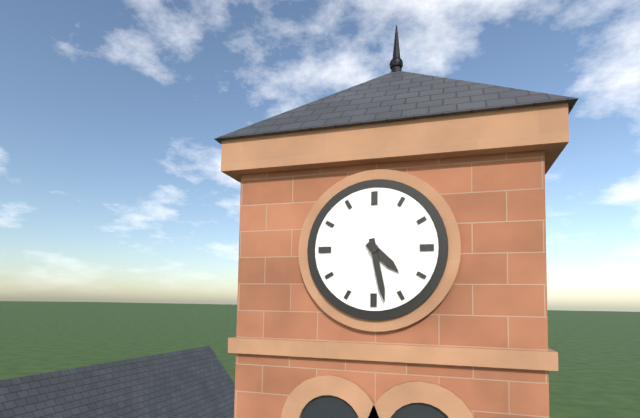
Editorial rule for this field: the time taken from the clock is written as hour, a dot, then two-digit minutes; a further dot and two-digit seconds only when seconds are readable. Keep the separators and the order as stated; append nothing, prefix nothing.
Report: 4.28
